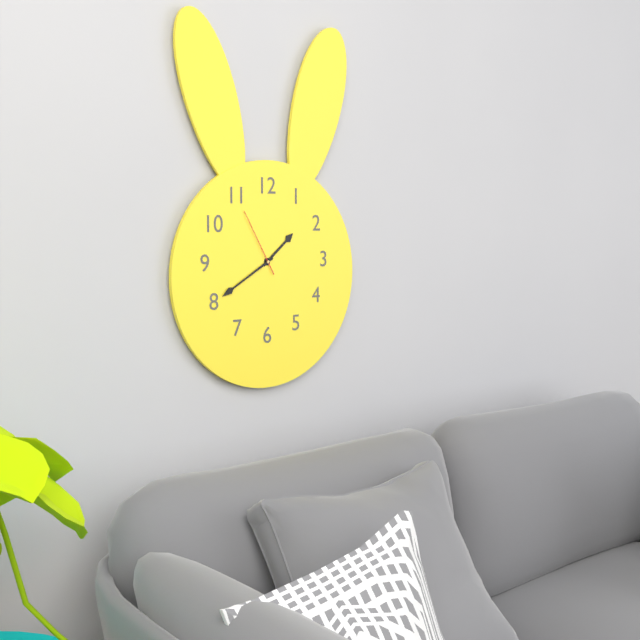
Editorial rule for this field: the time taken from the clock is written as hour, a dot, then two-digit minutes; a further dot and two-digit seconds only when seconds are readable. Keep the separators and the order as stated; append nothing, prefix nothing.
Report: 1.40.55
